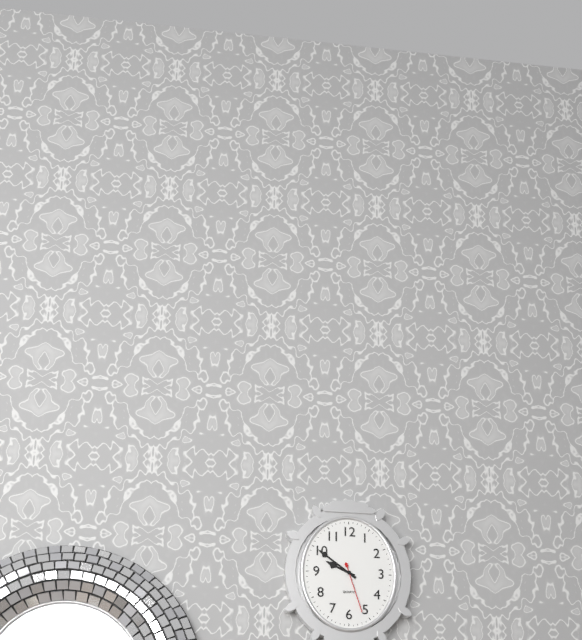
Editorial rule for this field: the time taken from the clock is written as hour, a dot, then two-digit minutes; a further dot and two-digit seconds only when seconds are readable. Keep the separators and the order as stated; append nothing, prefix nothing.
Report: 9.51.27
